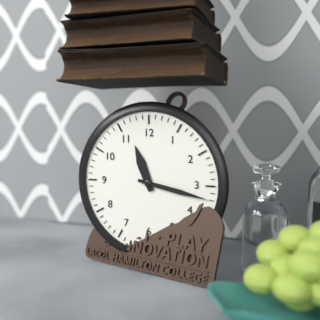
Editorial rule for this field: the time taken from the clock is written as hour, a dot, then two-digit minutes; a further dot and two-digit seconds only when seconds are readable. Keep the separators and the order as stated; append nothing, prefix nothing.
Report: 11.17
